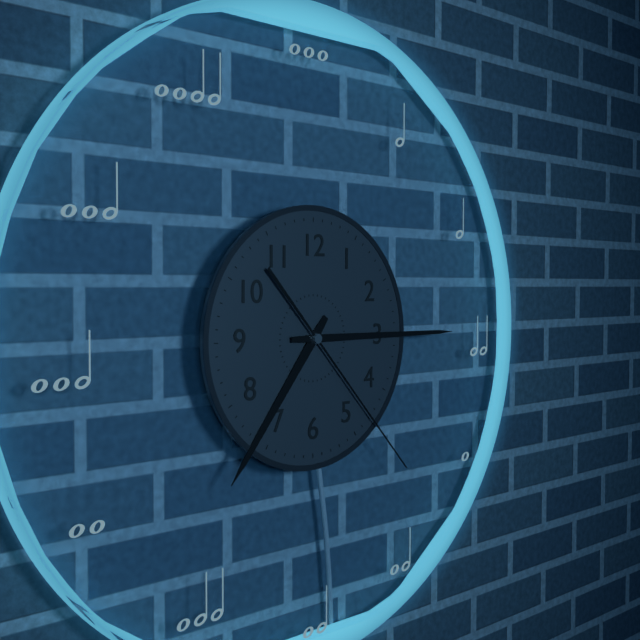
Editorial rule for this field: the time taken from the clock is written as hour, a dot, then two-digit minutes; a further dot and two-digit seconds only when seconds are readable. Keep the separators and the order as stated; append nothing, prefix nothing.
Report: 7.15.23
